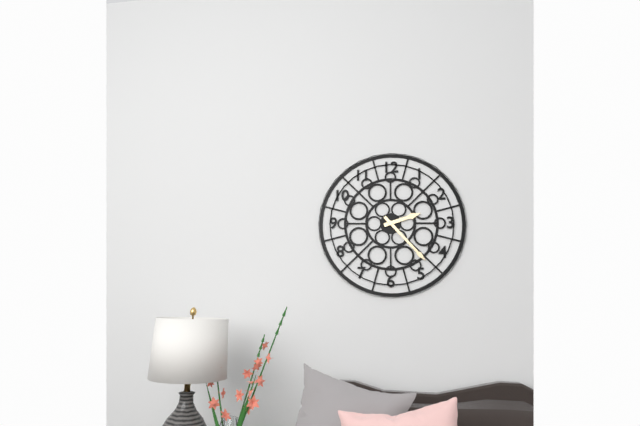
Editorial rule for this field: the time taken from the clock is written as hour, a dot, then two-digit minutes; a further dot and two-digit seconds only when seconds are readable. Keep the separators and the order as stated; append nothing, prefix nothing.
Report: 2.23
